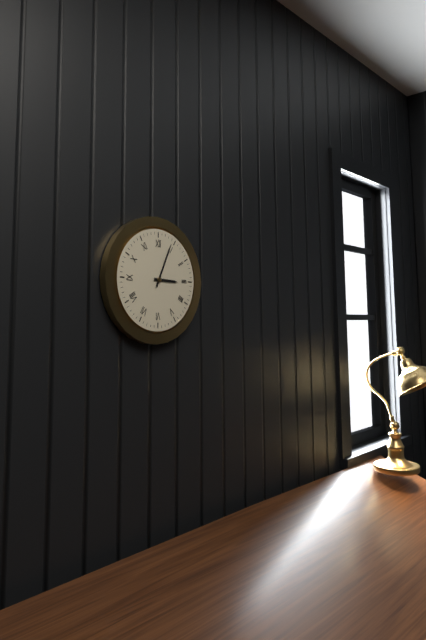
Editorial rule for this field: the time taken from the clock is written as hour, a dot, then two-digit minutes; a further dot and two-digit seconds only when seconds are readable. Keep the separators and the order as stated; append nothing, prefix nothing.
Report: 3.04
